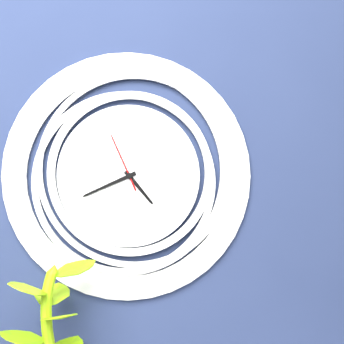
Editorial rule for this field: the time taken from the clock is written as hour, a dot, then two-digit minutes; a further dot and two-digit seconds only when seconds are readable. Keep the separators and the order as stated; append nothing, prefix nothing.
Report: 4.41.56
